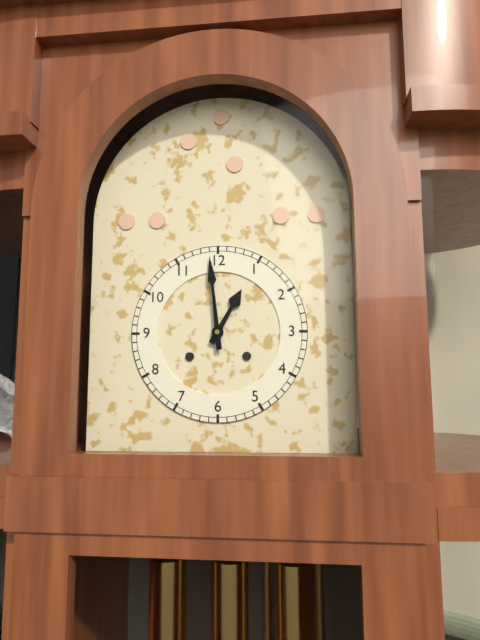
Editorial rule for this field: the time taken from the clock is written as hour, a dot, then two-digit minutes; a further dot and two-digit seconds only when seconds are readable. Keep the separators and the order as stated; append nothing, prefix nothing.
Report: 12.59
